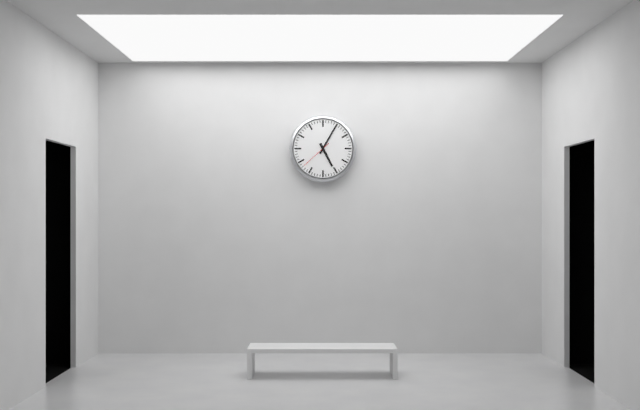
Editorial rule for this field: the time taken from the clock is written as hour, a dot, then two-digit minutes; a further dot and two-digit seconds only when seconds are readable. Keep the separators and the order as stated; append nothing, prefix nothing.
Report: 5.05
